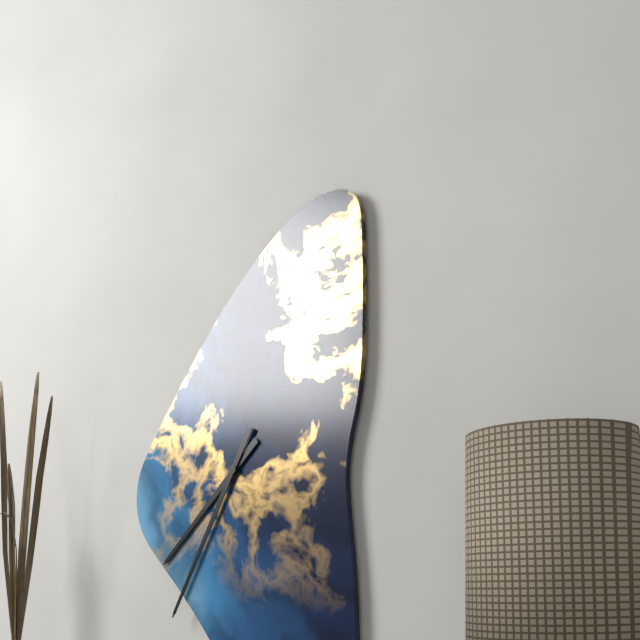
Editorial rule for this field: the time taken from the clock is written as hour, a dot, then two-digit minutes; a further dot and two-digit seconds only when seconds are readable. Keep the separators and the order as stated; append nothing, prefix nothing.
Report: 7.35
